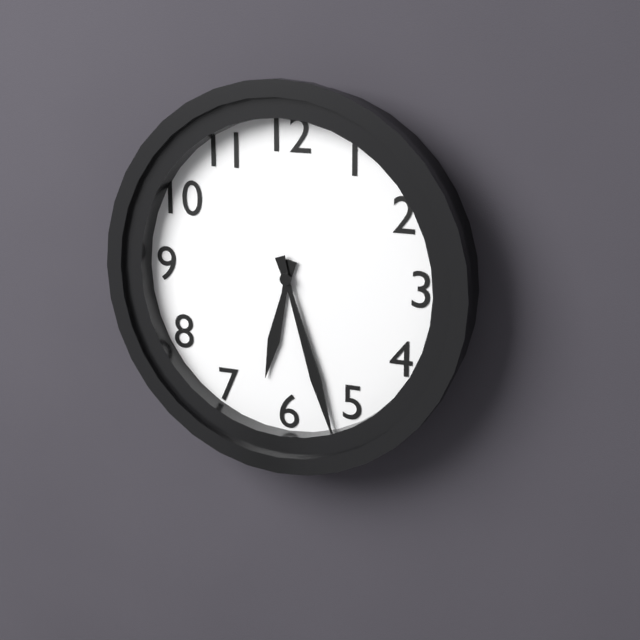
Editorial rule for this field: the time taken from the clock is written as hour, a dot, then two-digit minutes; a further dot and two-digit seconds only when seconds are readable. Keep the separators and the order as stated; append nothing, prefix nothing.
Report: 6.27
